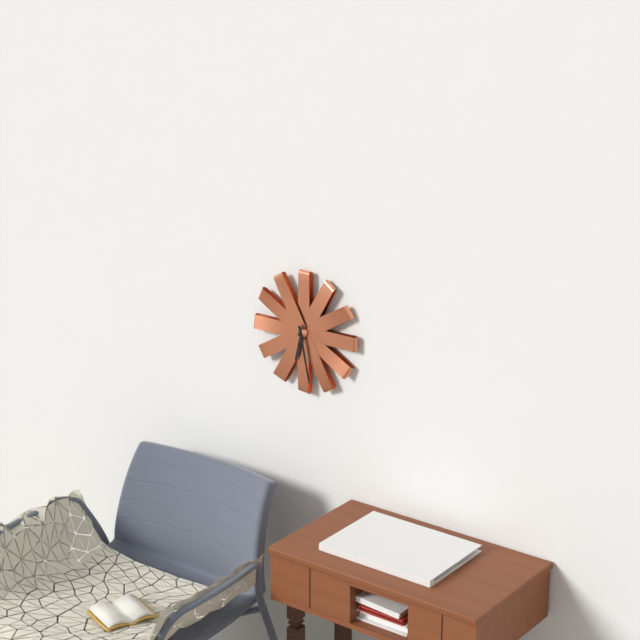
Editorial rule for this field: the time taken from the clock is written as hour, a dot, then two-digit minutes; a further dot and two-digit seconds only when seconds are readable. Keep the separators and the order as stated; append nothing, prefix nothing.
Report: 6.28
